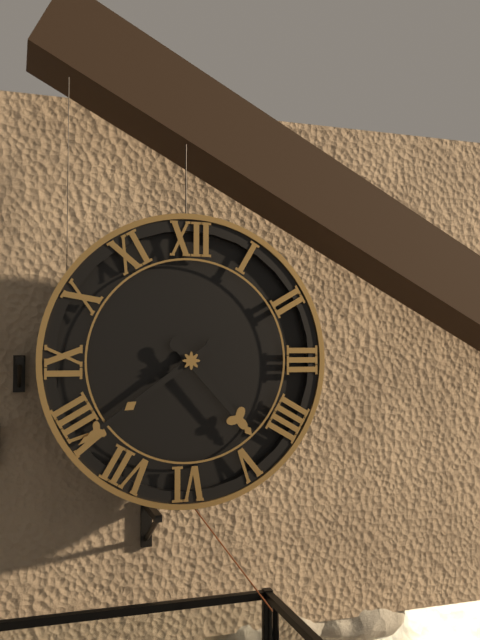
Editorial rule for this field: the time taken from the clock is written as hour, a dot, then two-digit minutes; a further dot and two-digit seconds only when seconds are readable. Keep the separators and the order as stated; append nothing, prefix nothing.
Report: 4.39
